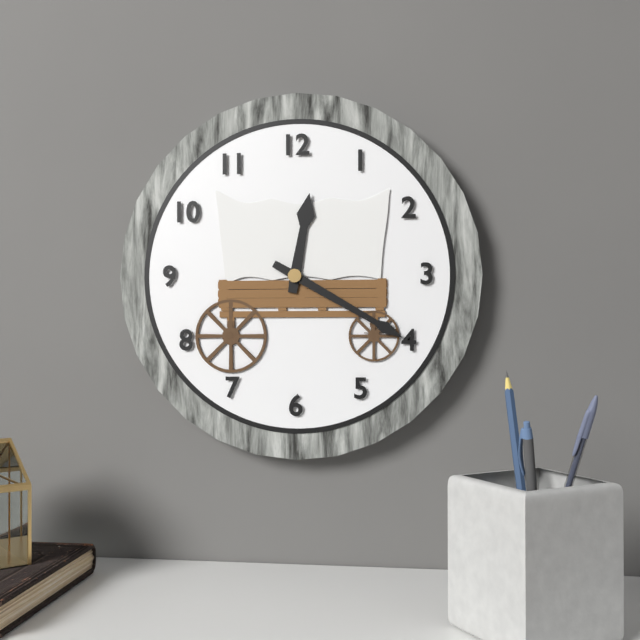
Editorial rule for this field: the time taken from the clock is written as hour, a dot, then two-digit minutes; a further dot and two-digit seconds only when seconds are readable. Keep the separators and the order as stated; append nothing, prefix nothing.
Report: 12.20
